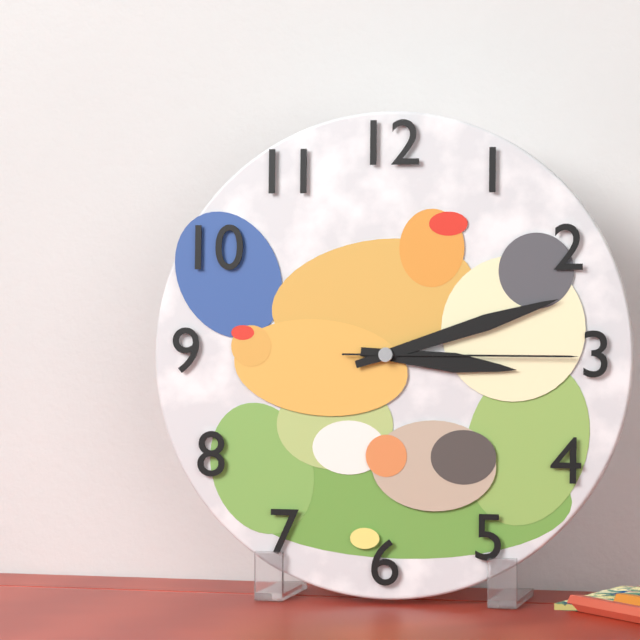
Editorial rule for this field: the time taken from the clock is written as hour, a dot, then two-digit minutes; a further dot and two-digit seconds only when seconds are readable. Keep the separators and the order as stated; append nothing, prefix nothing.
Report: 3.12.15
